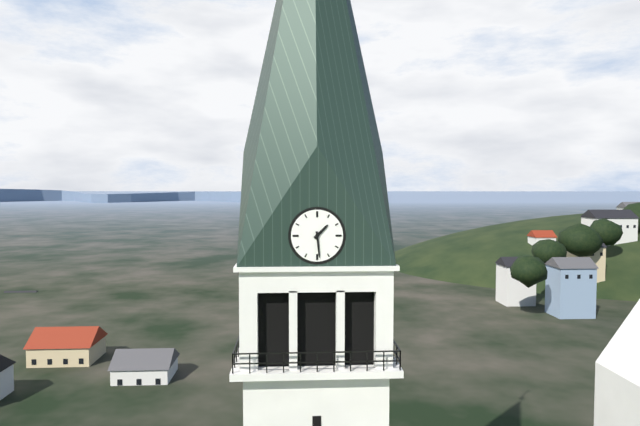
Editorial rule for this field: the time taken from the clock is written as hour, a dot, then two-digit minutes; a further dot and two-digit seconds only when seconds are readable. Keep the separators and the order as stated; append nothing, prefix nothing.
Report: 1.29
